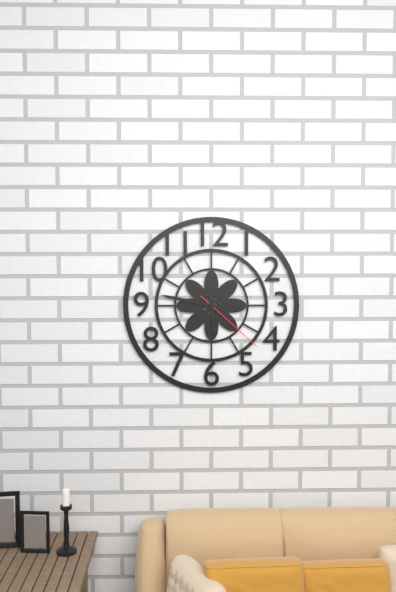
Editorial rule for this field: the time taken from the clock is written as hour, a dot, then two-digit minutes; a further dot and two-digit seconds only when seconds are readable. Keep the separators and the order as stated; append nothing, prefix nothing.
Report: 5.47.22
